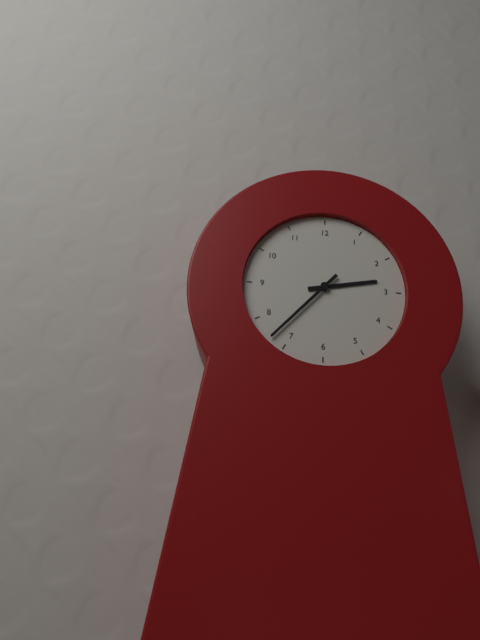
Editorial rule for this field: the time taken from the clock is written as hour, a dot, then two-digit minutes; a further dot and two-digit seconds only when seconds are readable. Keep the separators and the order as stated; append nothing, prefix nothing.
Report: 2.37
